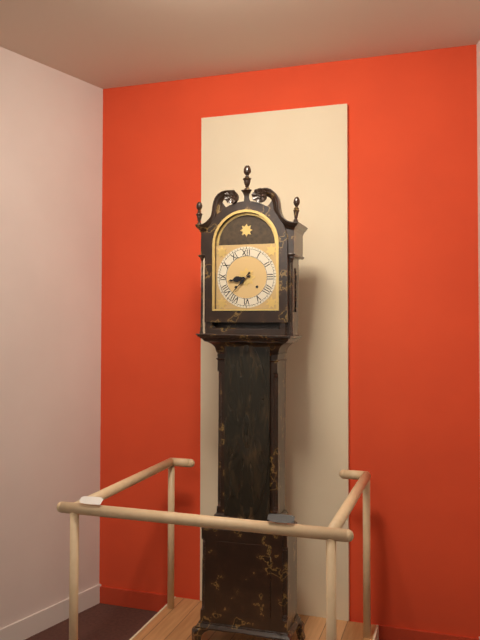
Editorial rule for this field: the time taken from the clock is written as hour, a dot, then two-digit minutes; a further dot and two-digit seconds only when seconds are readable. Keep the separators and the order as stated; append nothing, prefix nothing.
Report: 8.37
